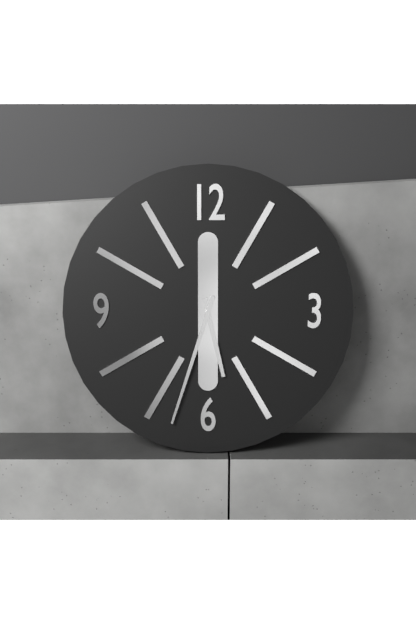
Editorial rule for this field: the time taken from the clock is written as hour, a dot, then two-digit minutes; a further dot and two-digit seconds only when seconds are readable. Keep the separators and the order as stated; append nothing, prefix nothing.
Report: 5.33
